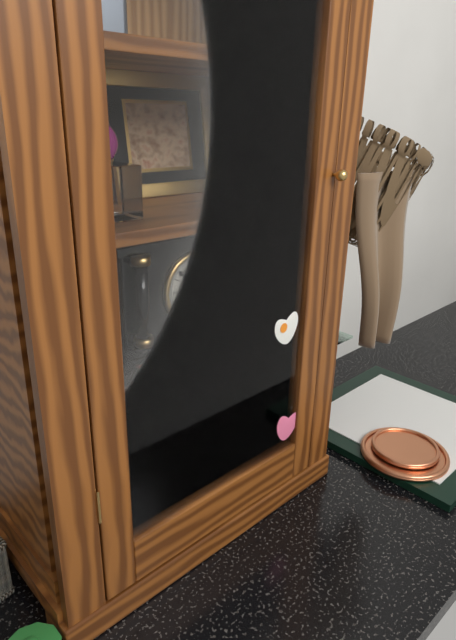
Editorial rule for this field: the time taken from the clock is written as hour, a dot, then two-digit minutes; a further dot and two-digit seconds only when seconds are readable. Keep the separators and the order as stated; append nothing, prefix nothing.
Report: 10.53
